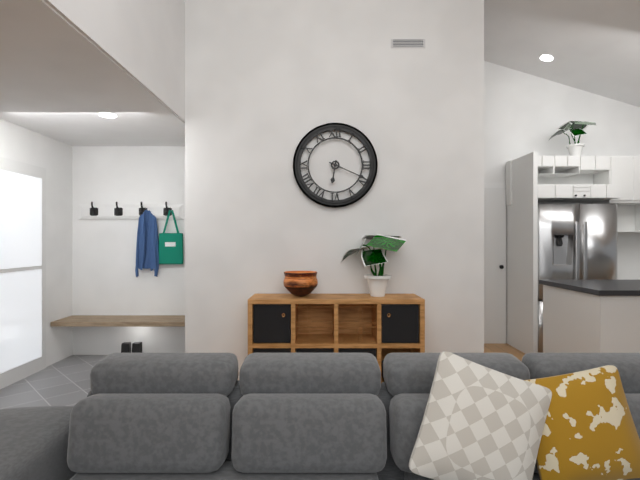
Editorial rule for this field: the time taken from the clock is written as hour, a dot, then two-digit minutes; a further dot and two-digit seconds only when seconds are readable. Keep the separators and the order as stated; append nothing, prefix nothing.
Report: 6.19
